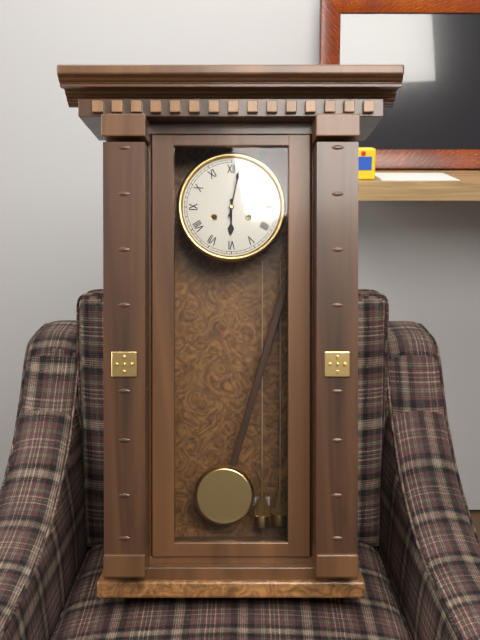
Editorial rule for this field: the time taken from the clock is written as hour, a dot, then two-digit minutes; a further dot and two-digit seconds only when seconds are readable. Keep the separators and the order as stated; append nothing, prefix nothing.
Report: 6.02
